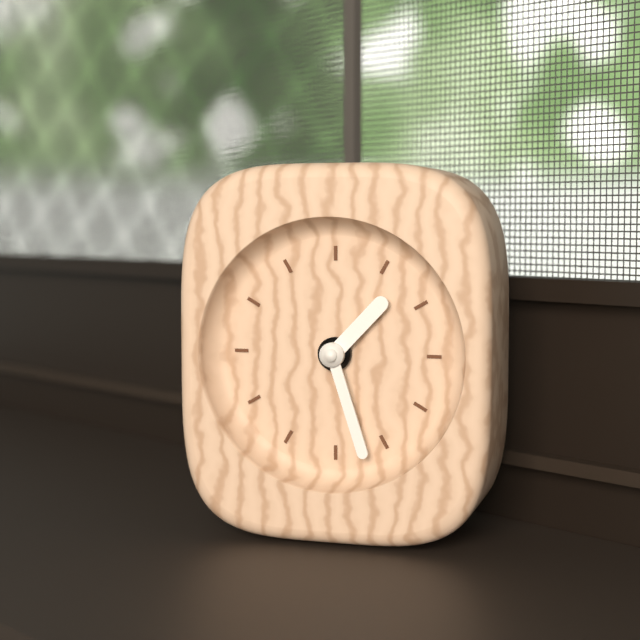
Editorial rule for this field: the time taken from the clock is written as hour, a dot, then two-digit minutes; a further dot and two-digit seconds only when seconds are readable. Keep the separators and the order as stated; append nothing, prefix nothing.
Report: 1.27
